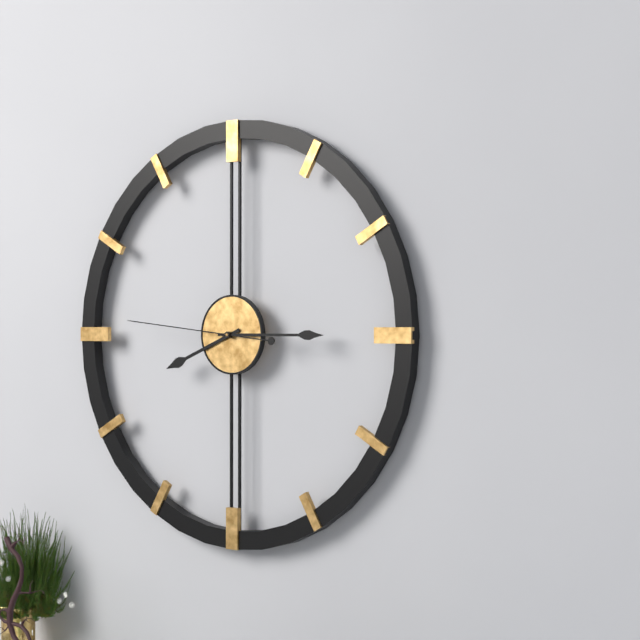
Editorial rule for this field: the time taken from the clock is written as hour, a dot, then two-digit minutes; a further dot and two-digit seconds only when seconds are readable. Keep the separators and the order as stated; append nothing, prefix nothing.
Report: 8.15.46
